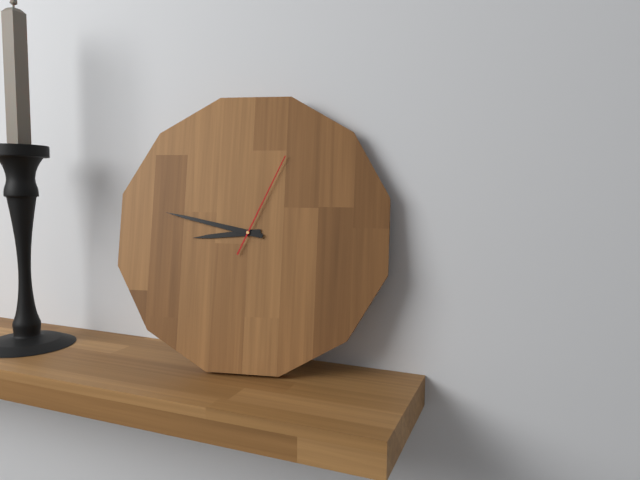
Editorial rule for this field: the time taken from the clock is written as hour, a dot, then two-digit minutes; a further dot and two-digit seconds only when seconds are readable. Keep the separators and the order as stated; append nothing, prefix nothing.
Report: 8.47.04
